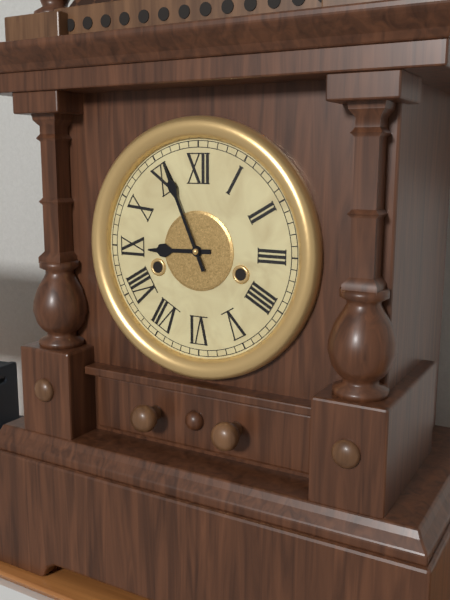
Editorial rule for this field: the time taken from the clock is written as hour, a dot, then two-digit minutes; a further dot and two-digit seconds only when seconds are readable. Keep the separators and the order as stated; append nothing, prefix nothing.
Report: 8.56
